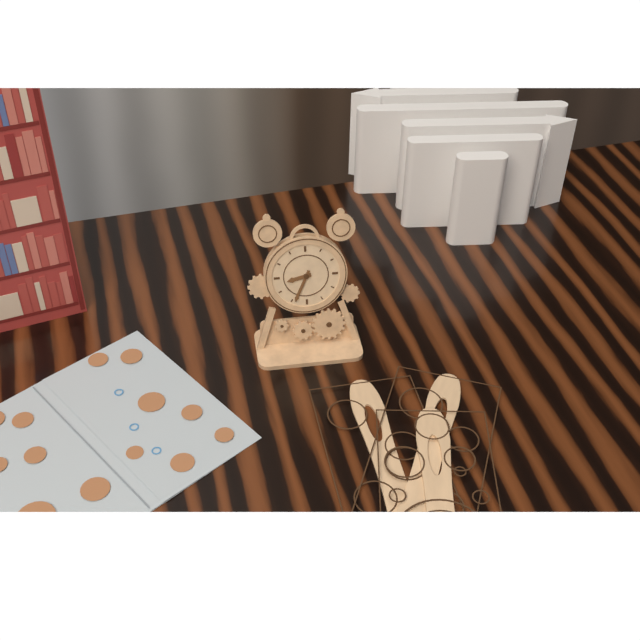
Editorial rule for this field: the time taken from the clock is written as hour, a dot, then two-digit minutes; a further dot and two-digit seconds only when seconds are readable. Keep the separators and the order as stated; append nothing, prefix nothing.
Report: 8.34
